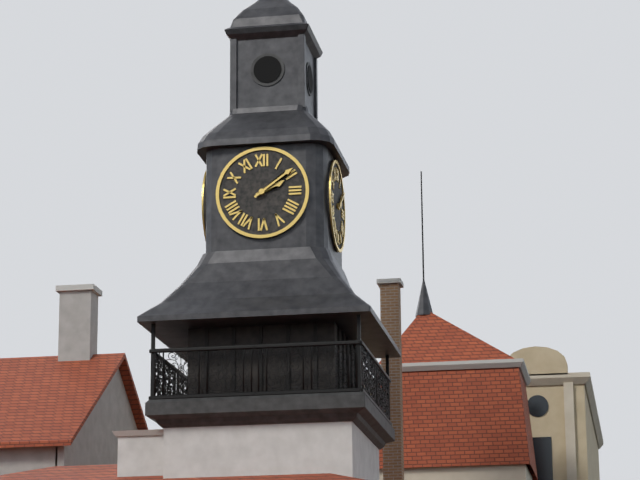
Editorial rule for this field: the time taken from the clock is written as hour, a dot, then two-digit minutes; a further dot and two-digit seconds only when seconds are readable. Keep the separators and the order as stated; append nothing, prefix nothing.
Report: 2.09
